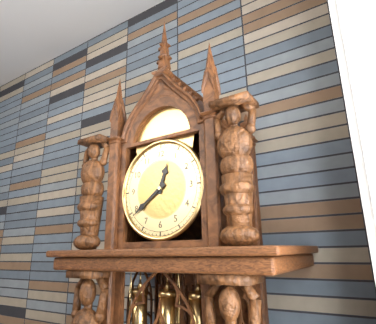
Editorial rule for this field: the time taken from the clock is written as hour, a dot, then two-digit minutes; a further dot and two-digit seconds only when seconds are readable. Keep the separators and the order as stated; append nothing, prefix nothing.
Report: 12.39
